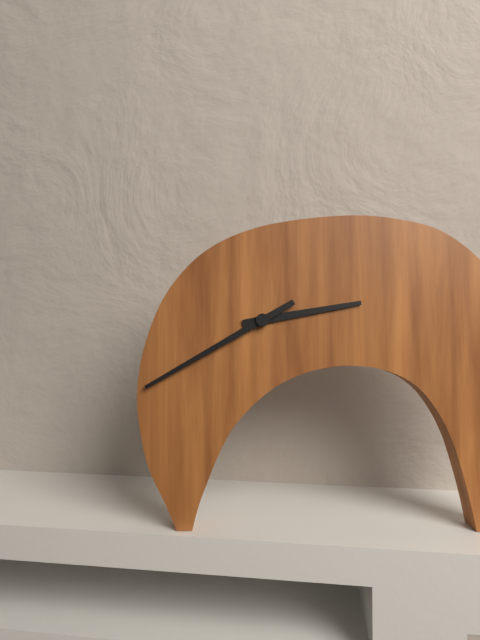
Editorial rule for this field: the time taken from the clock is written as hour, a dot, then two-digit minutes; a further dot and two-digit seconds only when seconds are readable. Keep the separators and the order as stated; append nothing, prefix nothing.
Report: 2.40
